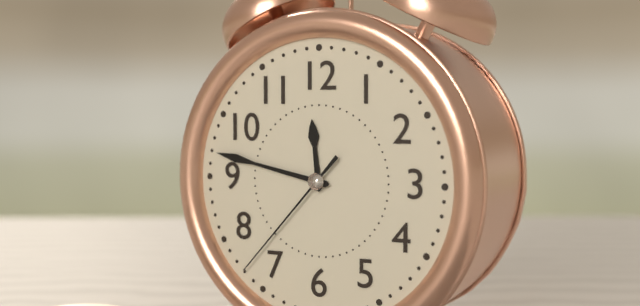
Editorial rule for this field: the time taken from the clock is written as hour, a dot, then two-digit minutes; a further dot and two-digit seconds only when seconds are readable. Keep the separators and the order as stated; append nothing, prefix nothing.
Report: 11.47.37
